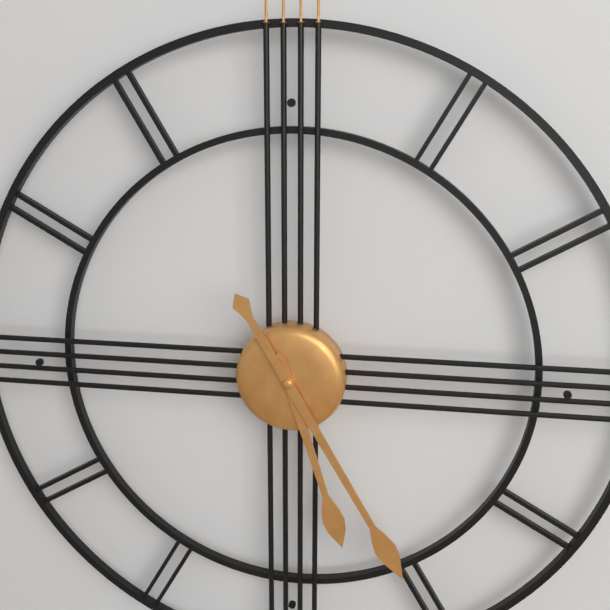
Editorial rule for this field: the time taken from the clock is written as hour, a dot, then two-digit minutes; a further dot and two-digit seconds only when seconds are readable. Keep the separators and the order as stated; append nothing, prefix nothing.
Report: 5.25
